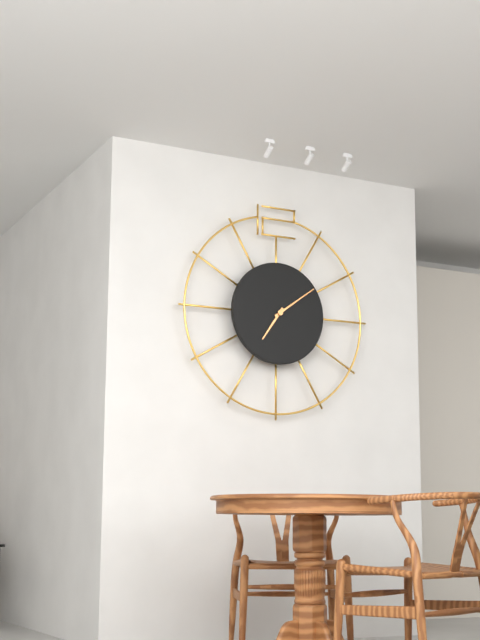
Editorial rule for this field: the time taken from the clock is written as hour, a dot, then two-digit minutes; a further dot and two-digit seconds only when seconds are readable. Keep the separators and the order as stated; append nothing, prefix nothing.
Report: 7.09
